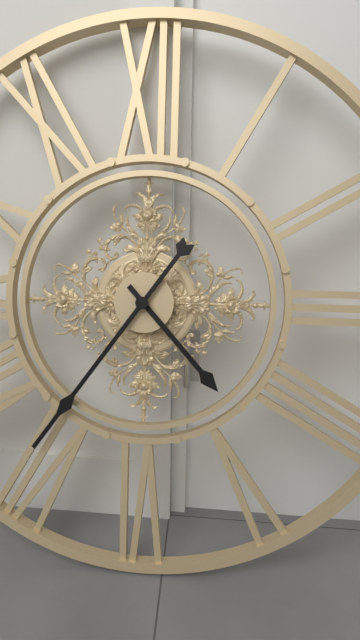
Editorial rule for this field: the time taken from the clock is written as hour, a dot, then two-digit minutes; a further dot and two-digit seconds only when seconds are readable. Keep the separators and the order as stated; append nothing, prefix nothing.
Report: 4.36
